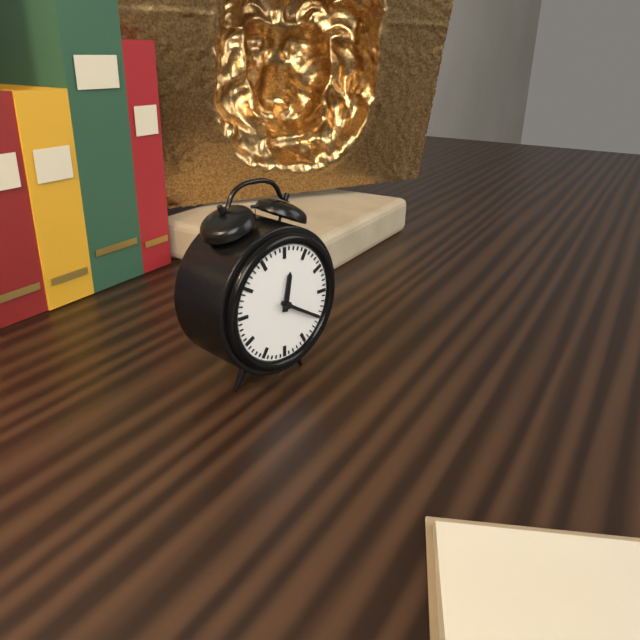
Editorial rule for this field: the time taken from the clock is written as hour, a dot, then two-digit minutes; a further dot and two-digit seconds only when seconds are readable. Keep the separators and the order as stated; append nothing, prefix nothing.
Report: 12.20
